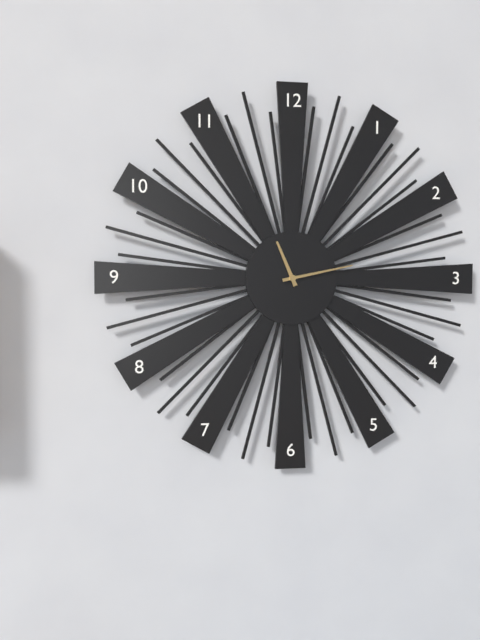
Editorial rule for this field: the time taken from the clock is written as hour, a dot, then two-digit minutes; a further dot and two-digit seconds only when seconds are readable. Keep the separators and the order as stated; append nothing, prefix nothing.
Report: 11.13
